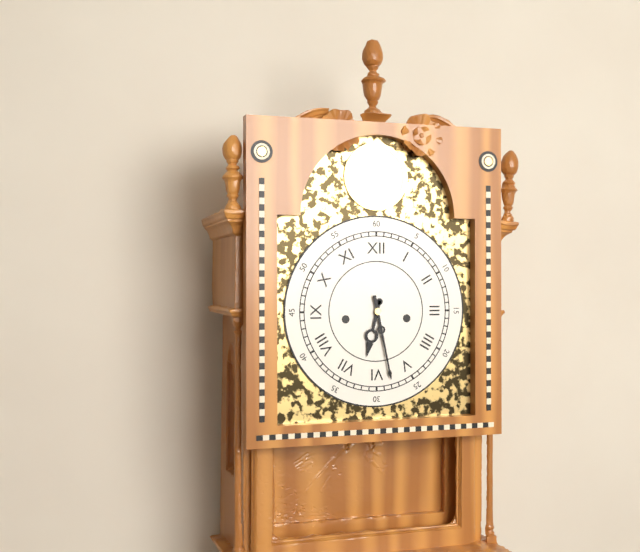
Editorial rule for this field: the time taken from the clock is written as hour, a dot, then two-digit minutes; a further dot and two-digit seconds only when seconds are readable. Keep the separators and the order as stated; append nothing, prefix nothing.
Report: 6.28
